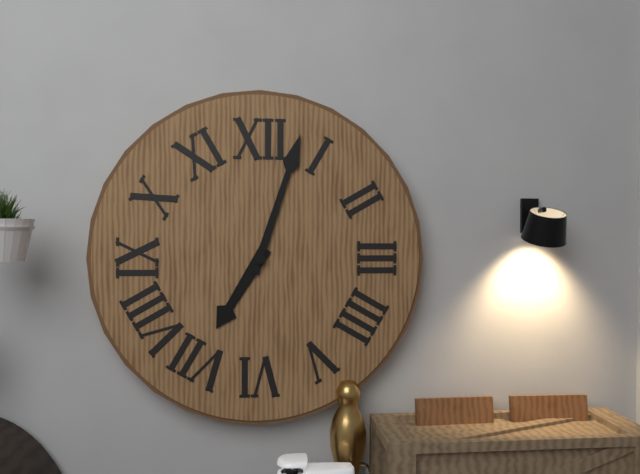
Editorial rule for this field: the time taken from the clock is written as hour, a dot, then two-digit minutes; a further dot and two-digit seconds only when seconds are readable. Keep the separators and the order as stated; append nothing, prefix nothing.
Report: 7.03
